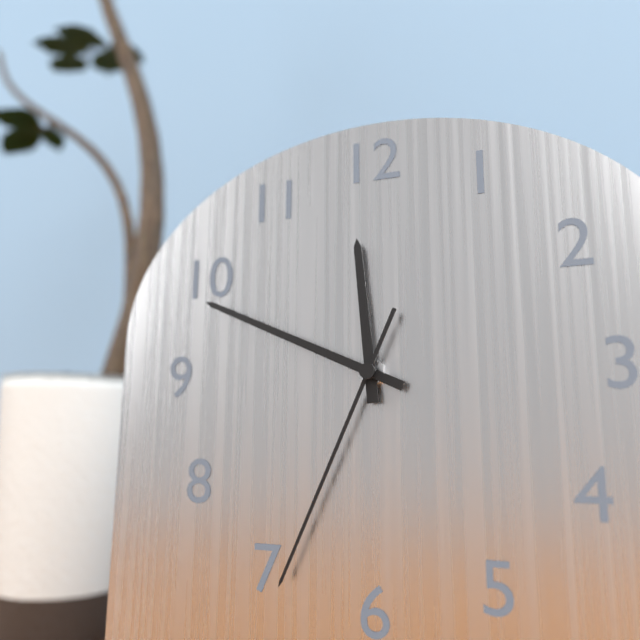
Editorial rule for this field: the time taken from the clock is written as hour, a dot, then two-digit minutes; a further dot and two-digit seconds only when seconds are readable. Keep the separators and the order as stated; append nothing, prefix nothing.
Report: 11.49.34
